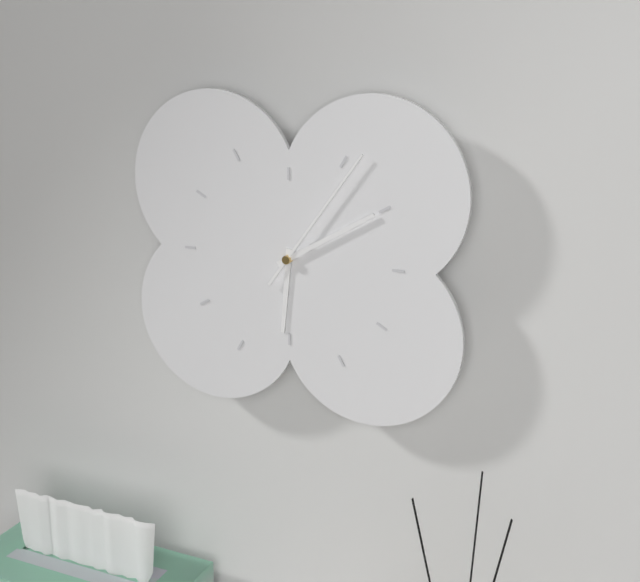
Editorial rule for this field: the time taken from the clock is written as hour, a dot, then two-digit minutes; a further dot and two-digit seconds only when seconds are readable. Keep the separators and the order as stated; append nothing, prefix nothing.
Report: 6.10.06
